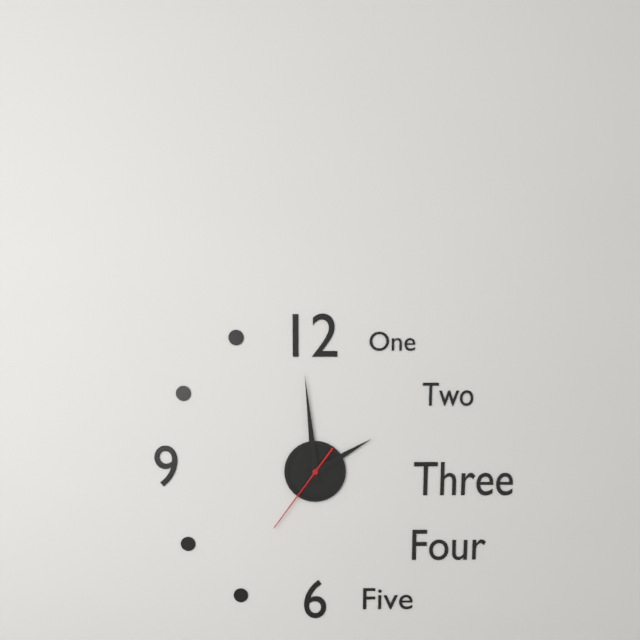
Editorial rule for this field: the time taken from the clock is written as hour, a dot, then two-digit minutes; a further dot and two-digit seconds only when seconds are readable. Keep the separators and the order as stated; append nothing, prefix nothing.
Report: 1.59.36
